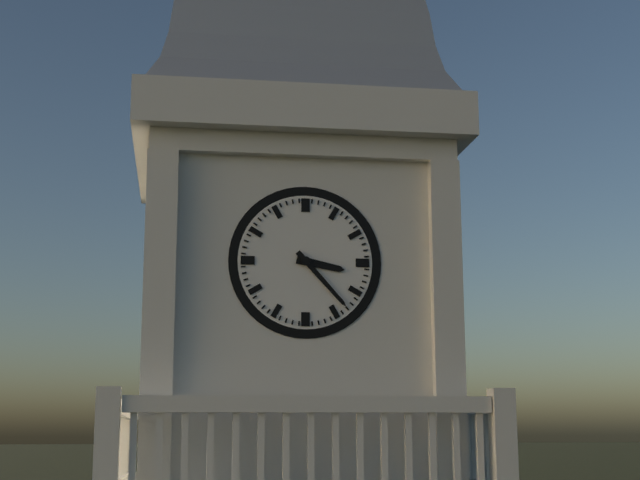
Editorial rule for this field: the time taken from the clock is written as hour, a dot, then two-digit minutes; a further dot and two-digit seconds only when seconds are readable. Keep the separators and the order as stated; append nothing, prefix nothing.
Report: 3.23
